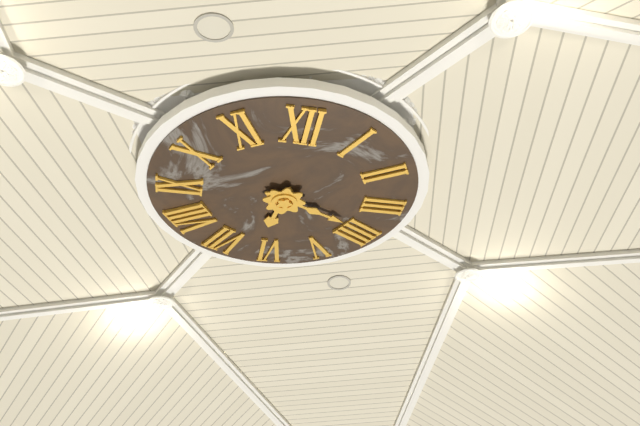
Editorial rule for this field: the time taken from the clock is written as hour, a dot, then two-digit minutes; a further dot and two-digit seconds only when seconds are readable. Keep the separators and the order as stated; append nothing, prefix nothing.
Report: 6.19
